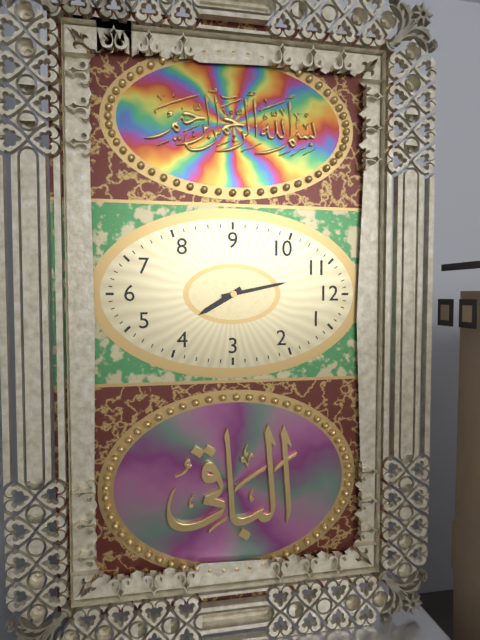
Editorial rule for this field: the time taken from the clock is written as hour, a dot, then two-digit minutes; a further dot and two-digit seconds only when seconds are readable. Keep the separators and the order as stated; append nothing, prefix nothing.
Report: 4.58
